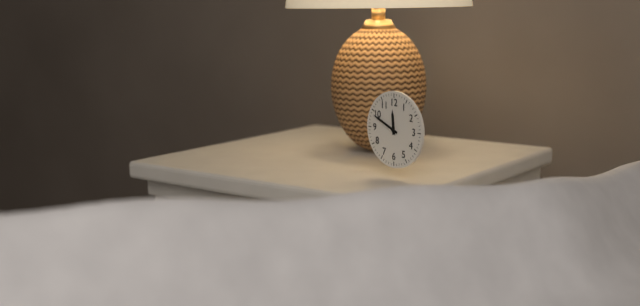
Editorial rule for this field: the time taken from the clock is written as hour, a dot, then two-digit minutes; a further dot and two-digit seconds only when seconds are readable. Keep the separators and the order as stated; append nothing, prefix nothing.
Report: 11.49
